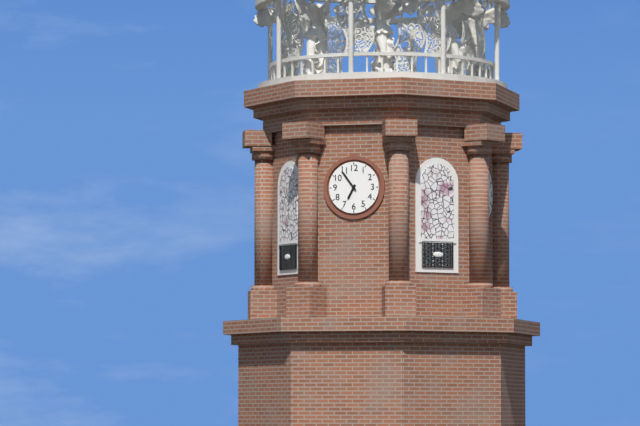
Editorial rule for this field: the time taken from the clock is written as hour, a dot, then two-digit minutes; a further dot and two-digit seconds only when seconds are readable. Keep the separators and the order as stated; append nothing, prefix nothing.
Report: 6.54
